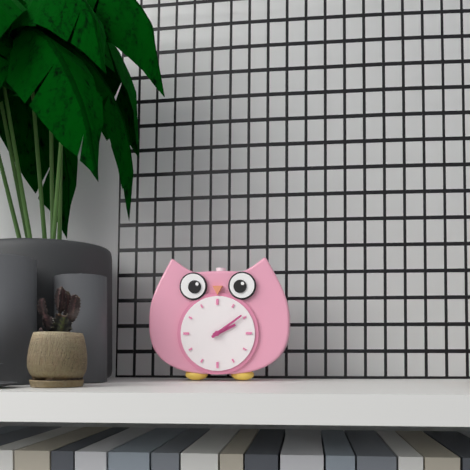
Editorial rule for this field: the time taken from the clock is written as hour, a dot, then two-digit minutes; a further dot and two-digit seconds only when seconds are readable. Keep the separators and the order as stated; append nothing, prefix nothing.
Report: 2.09
